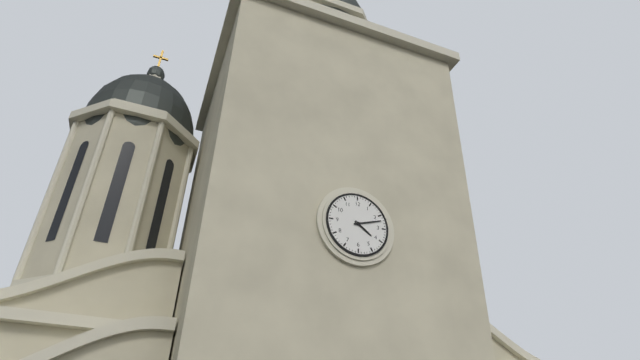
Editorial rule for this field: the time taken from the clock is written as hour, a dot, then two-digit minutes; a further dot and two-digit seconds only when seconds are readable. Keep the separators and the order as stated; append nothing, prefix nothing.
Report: 4.12
